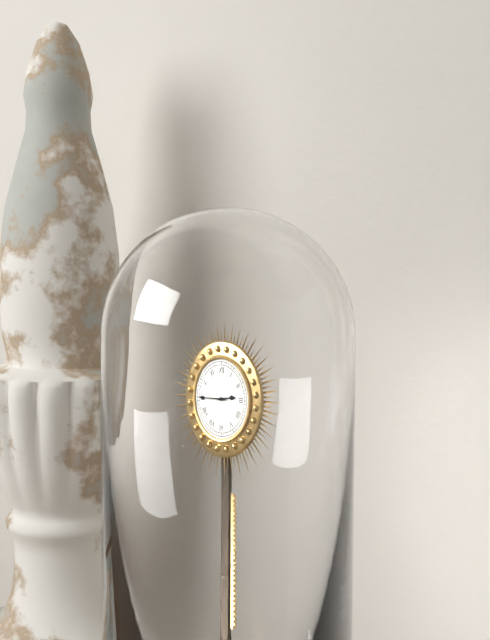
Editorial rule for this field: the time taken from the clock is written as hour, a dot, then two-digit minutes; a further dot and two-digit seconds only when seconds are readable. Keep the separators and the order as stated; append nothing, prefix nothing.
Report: 2.45
